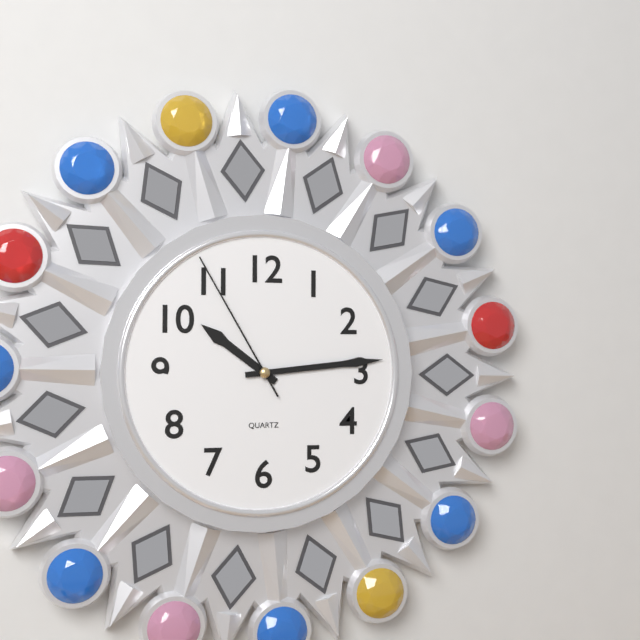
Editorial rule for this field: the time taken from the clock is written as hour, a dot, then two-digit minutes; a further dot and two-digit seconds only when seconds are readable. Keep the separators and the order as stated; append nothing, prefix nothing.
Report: 10.14.55
